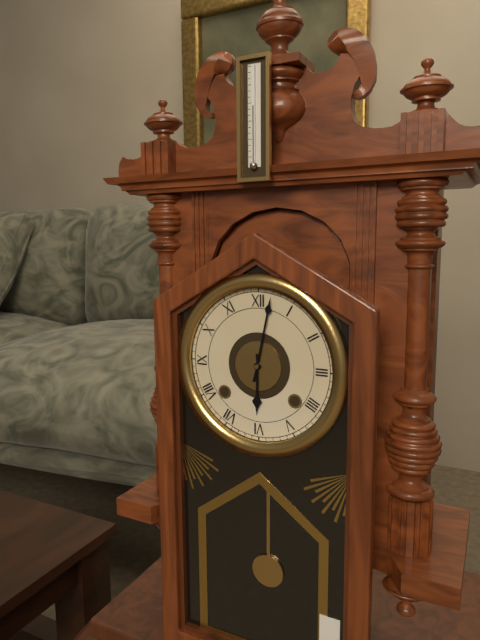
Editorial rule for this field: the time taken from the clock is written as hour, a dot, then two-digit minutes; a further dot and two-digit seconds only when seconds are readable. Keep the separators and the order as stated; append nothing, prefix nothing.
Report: 6.02
